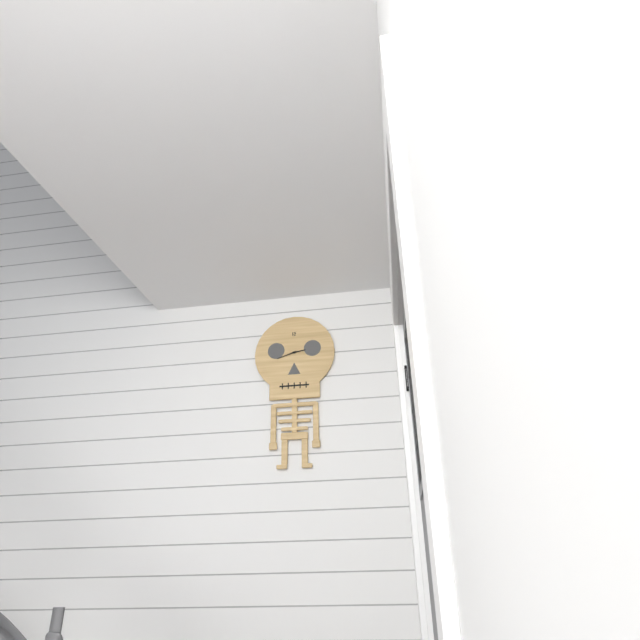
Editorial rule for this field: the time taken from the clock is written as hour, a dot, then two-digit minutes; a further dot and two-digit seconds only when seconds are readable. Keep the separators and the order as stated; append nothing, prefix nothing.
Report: 2.42
